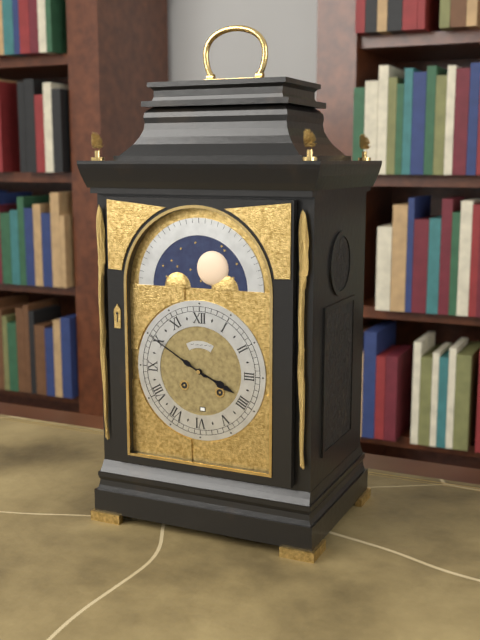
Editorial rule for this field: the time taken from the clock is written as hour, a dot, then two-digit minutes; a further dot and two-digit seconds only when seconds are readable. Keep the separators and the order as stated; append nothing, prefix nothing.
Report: 3.50
